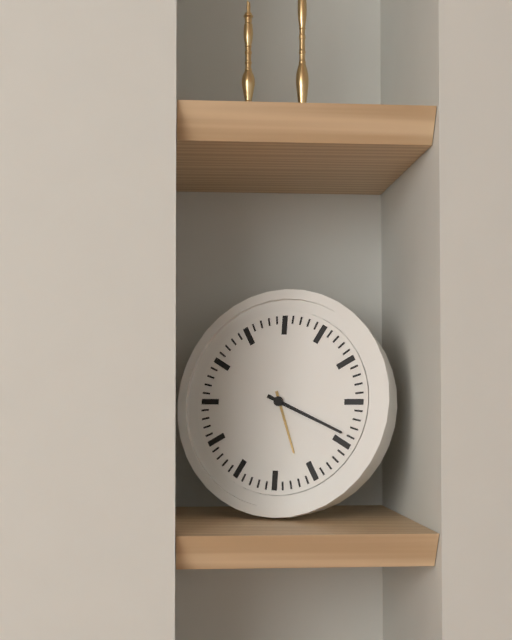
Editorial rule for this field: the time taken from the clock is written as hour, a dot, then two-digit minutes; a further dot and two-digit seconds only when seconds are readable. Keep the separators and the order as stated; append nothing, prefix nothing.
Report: 5.19
